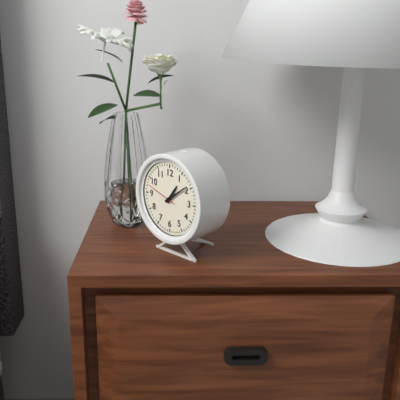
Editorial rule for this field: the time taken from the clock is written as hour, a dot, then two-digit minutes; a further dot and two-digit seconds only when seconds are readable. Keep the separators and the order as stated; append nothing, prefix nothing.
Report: 1.09
